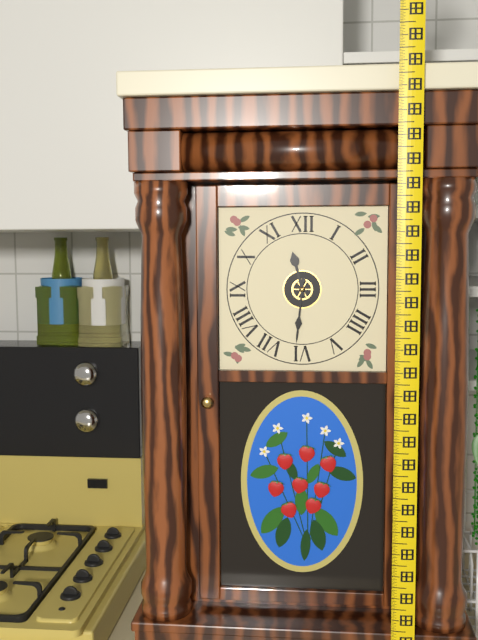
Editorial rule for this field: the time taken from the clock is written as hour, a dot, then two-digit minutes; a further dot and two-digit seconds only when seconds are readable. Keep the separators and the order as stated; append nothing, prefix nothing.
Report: 11.31
